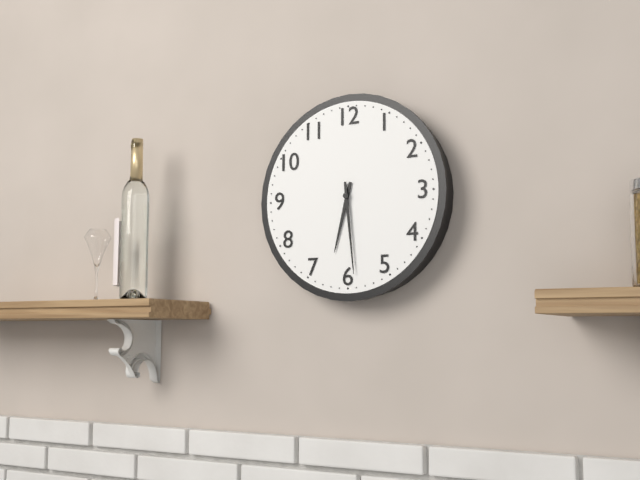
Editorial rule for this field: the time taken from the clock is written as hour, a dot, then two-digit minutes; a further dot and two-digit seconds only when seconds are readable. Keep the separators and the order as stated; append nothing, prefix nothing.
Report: 6.29
